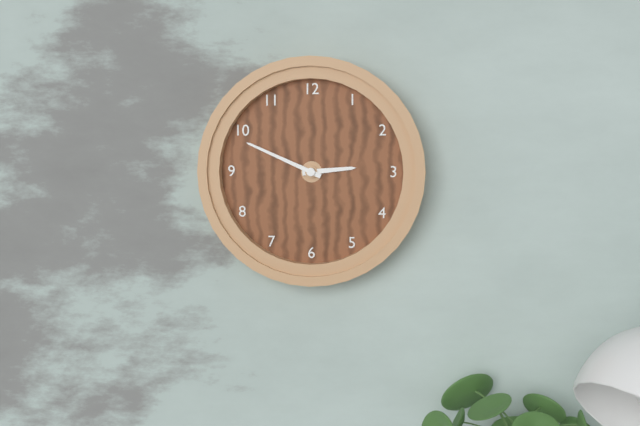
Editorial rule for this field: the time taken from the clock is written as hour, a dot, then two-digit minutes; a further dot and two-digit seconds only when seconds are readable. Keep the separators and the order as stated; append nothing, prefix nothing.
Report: 2.49
